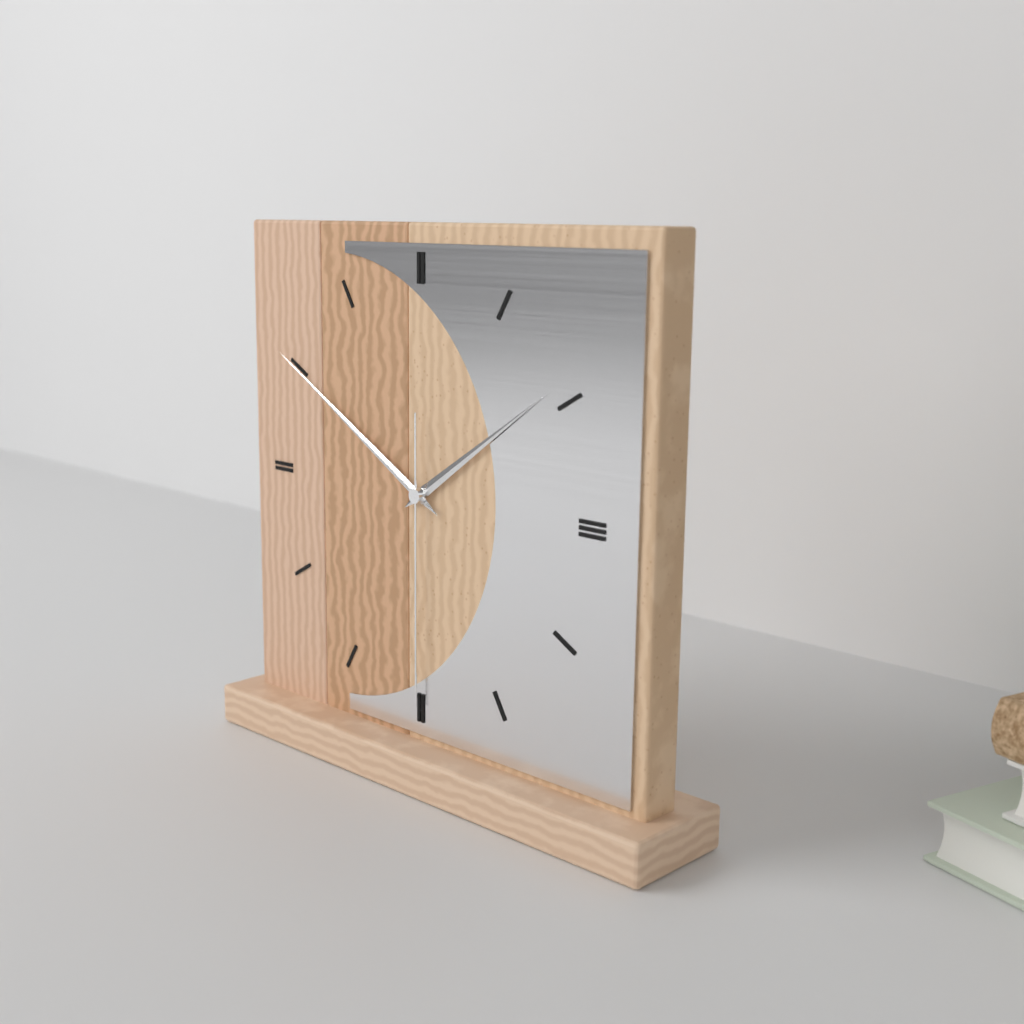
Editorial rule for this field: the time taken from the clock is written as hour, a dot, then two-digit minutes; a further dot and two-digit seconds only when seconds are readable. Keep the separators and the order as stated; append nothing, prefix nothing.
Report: 1.50.30
